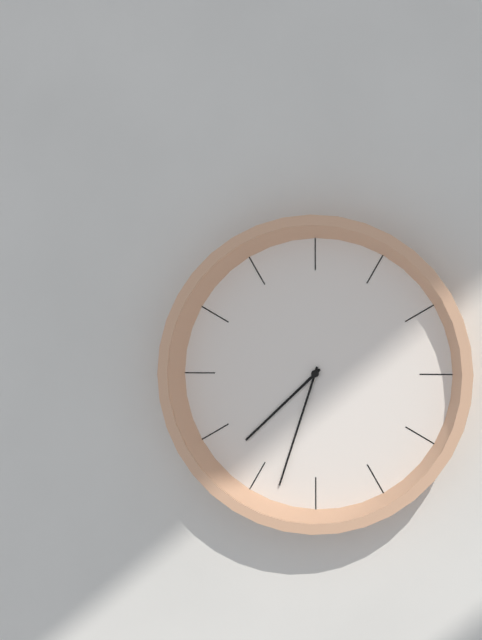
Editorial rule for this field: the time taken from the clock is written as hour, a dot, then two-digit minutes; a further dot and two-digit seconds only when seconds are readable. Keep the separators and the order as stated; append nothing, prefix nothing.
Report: 7.33
